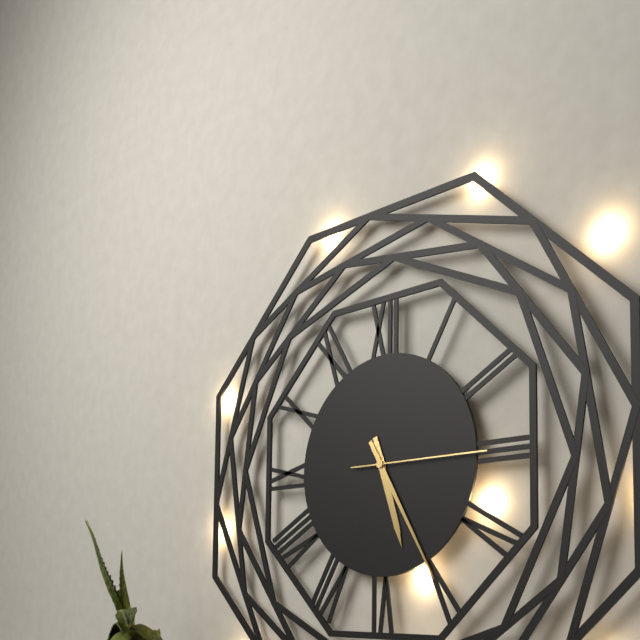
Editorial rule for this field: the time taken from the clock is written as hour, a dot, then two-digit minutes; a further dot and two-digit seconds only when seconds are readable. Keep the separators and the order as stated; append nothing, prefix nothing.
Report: 5.25.15
